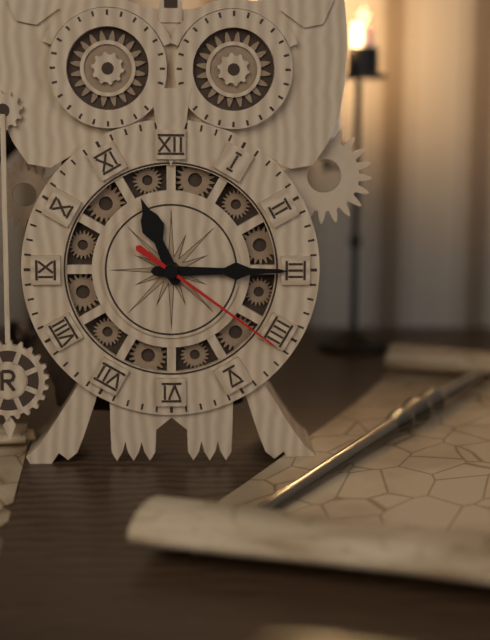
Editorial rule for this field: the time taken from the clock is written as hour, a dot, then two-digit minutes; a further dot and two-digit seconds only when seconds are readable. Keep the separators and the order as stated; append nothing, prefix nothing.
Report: 11.15.21
